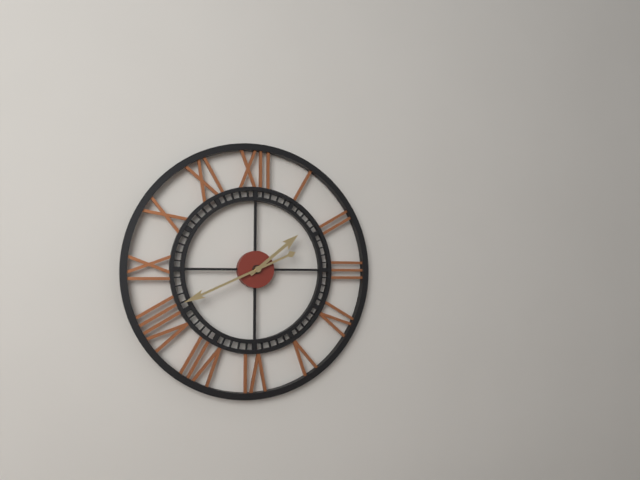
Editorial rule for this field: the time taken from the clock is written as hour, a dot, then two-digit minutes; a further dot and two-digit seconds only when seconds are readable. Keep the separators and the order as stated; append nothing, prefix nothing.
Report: 1.41
